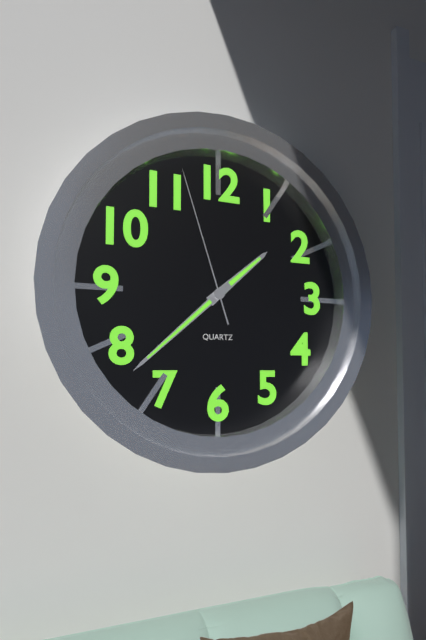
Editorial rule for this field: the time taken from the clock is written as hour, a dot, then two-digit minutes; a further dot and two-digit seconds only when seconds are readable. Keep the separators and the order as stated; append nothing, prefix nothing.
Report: 1.38.57
